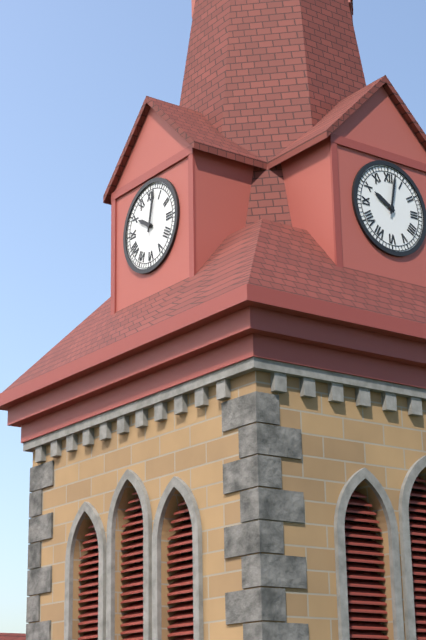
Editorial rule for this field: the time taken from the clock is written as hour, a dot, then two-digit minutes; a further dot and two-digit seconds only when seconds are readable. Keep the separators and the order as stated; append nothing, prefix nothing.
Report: 10.02
